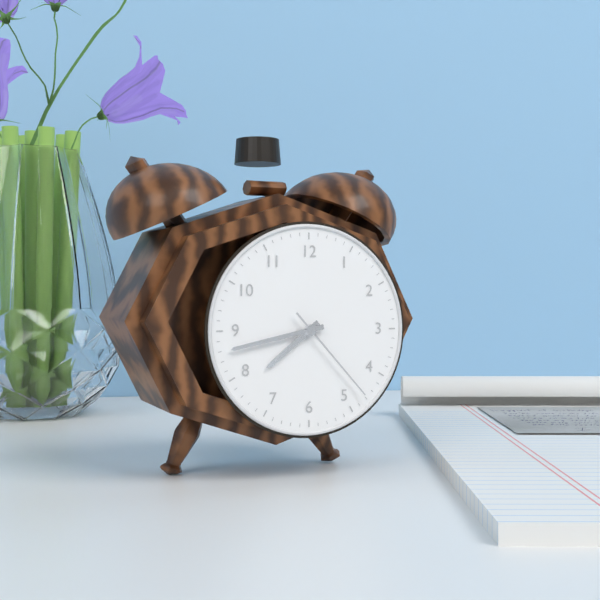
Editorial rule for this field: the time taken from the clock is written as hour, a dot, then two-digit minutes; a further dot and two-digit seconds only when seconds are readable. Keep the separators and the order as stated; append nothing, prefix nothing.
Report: 7.43.23
